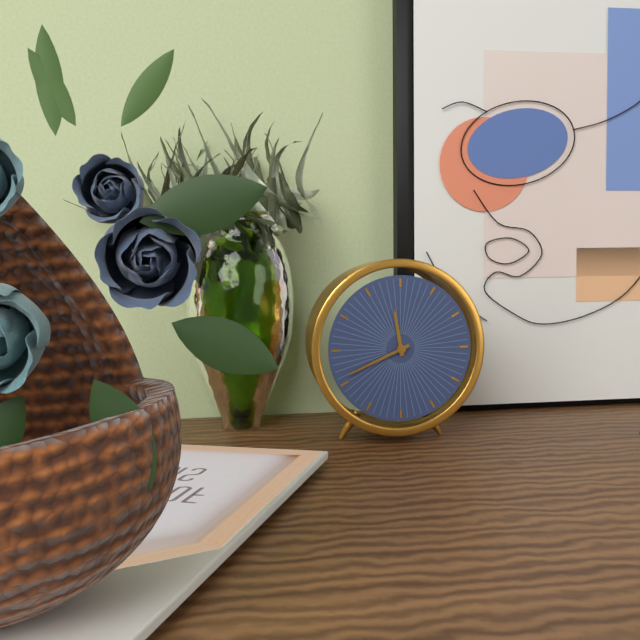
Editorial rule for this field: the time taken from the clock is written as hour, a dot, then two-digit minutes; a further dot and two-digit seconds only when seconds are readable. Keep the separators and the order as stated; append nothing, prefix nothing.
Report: 11.41
